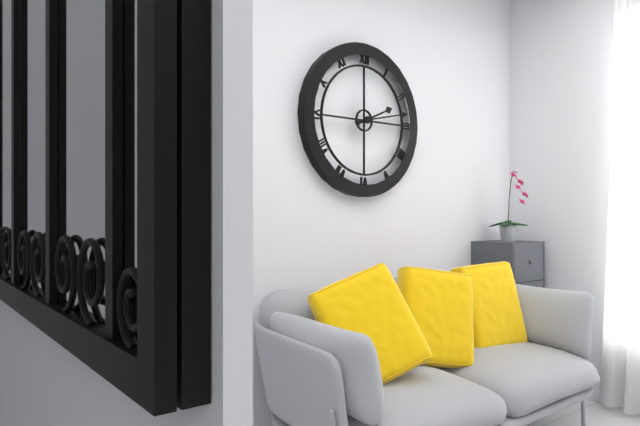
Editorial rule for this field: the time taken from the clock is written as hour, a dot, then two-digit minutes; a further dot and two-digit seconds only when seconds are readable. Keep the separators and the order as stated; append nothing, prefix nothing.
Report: 2.13
